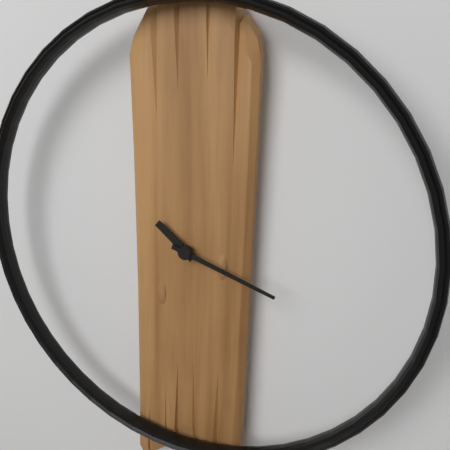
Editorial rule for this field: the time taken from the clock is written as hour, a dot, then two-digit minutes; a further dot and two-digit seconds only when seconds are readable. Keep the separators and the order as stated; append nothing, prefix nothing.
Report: 10.18
